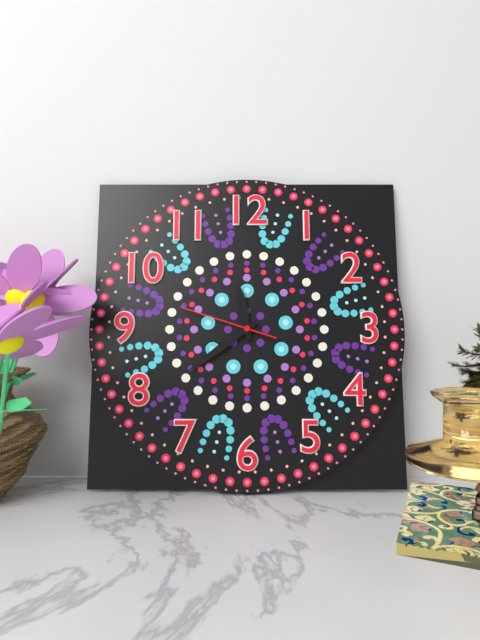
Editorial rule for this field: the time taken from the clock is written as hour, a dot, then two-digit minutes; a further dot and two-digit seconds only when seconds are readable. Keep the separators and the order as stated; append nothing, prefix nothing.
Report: 11.39.48
